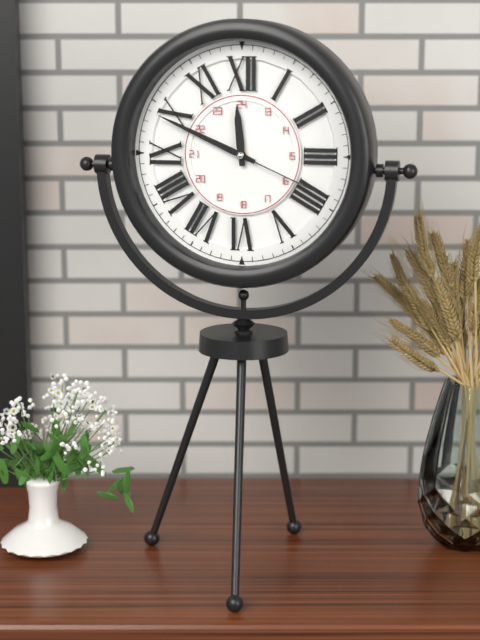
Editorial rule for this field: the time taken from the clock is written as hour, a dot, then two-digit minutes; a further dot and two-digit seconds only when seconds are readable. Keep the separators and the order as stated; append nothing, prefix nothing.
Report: 11.49.19
